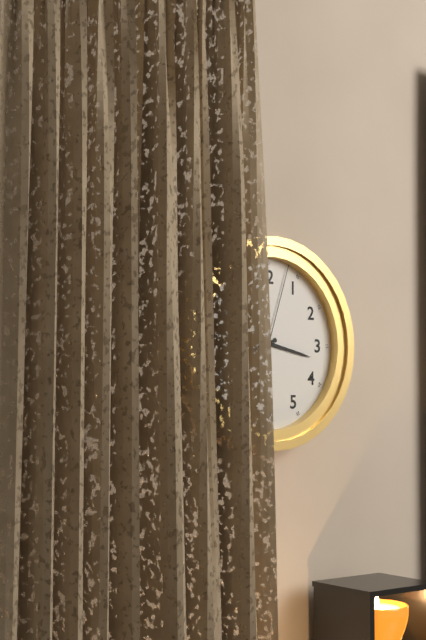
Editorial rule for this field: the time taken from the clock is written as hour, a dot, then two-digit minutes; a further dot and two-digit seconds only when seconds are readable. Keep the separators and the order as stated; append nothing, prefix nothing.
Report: 8.17.03
